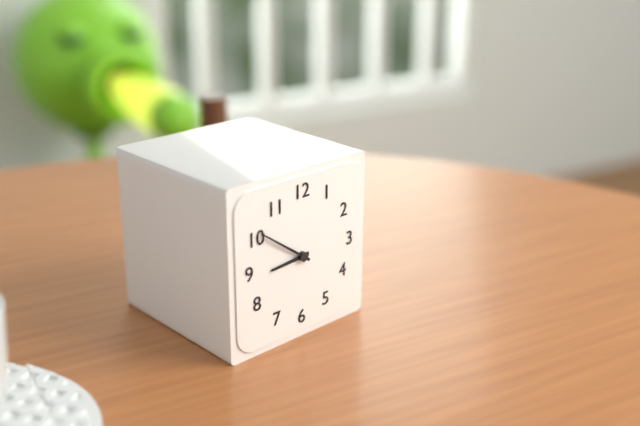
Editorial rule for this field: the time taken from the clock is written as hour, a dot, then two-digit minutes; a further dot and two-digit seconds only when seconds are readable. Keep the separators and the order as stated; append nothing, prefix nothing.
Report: 8.51
